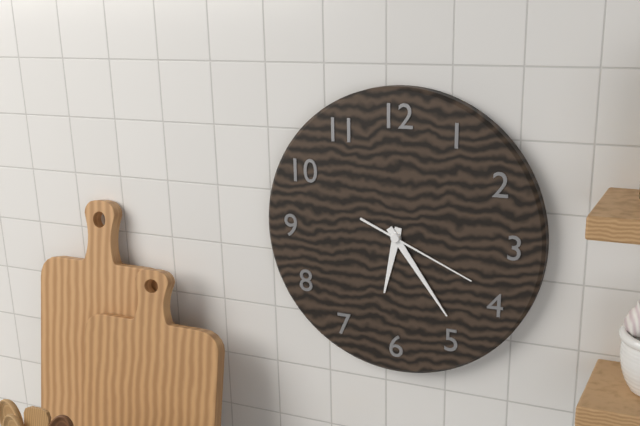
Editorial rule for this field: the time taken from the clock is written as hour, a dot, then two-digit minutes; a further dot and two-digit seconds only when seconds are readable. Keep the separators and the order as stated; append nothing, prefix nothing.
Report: 6.24.19
